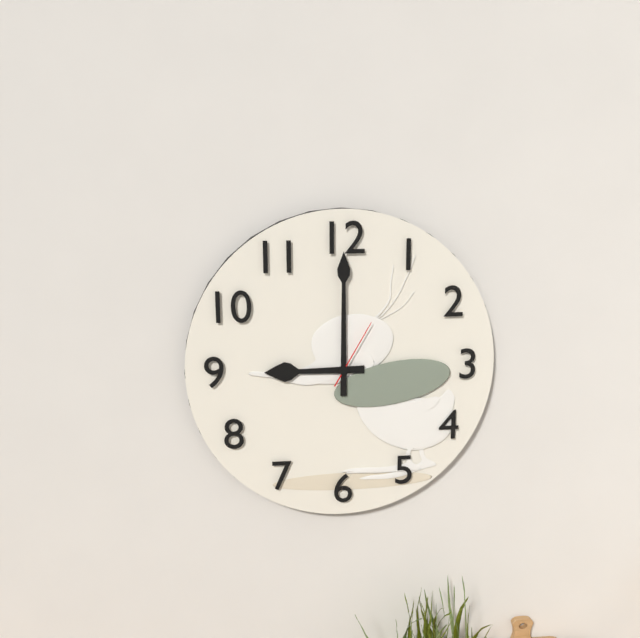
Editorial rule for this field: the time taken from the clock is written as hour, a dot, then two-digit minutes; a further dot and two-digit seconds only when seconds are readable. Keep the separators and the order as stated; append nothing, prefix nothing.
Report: 9.00.05
